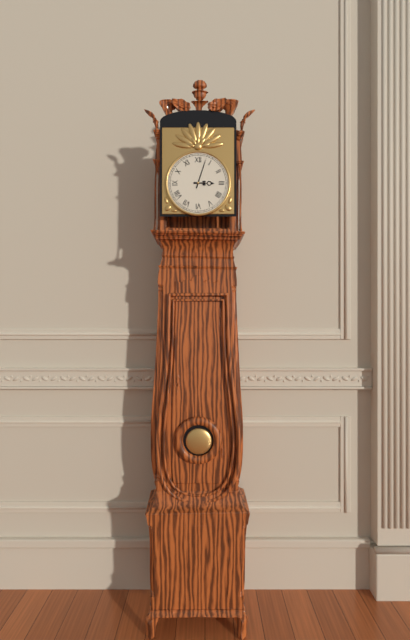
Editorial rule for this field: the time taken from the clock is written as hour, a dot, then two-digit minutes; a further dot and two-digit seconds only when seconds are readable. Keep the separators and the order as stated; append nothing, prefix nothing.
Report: 3.03
